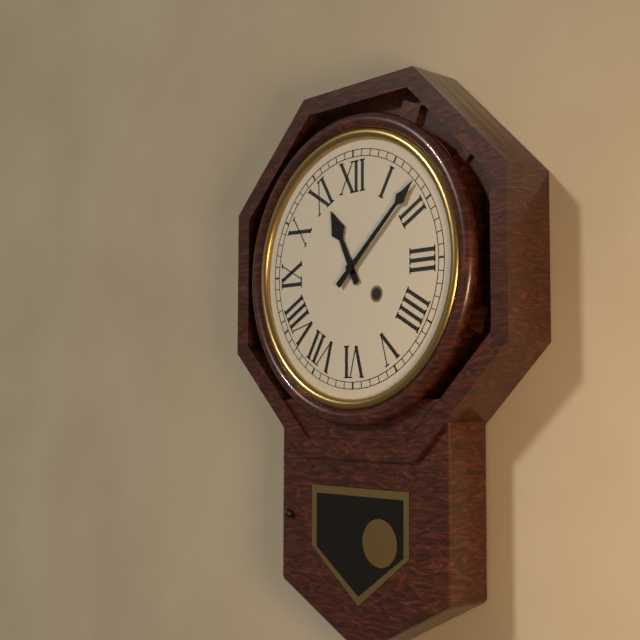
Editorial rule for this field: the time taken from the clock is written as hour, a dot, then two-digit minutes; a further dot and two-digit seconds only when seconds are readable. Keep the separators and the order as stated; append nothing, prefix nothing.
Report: 11.08
